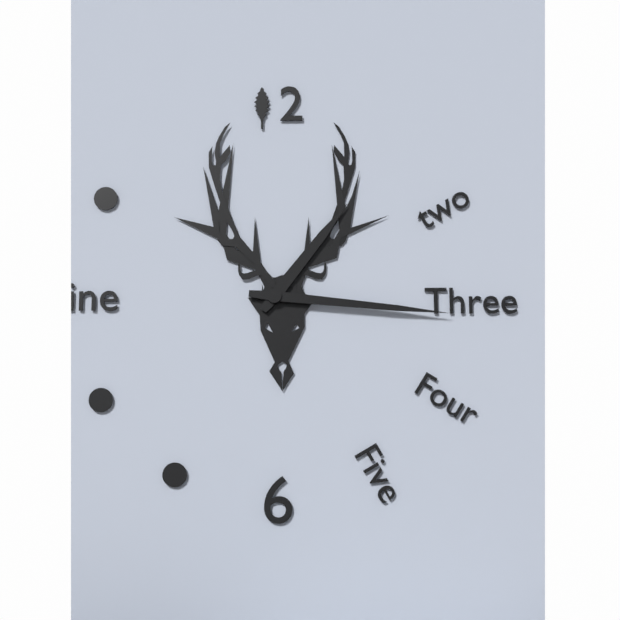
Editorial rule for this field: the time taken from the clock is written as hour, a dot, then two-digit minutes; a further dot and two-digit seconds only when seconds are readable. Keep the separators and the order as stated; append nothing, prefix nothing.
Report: 1.16
